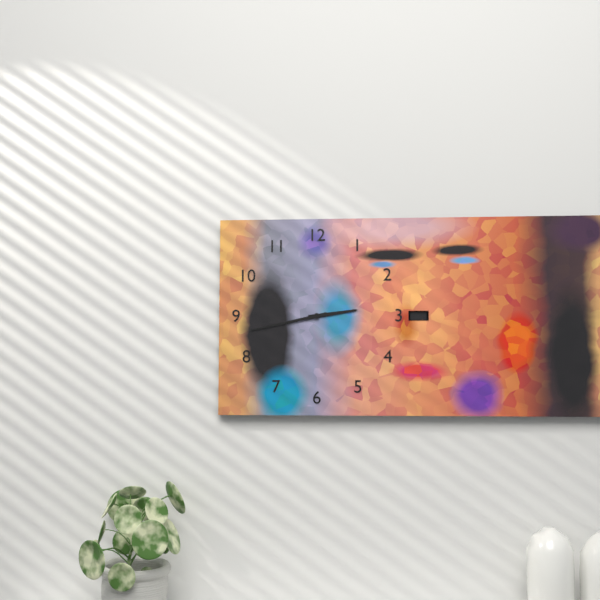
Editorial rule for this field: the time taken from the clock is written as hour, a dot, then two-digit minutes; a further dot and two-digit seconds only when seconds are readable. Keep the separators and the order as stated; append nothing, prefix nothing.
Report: 2.43
